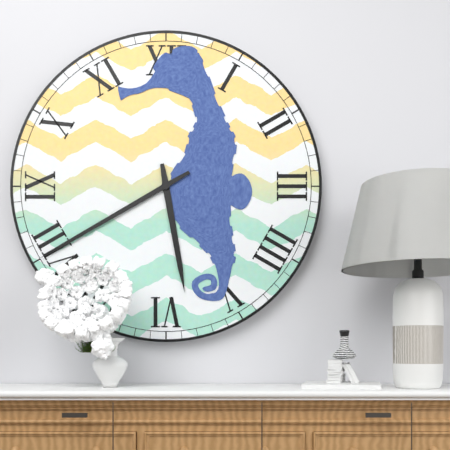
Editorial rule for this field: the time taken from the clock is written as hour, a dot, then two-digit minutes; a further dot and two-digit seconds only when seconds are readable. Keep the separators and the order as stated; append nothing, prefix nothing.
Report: 5.40
